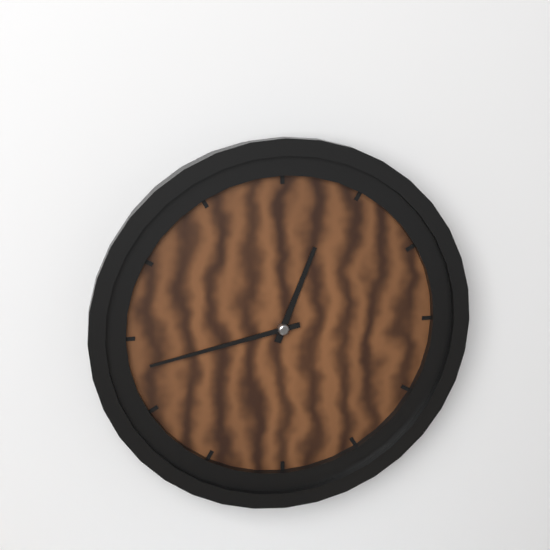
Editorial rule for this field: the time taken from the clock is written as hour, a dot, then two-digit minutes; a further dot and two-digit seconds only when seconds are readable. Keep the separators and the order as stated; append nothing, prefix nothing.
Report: 12.43
